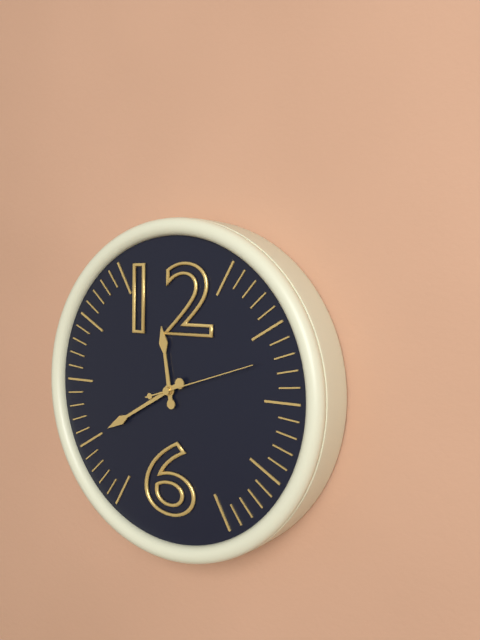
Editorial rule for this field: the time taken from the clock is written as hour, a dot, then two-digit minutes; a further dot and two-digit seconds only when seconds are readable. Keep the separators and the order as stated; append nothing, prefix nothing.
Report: 11.40.12
